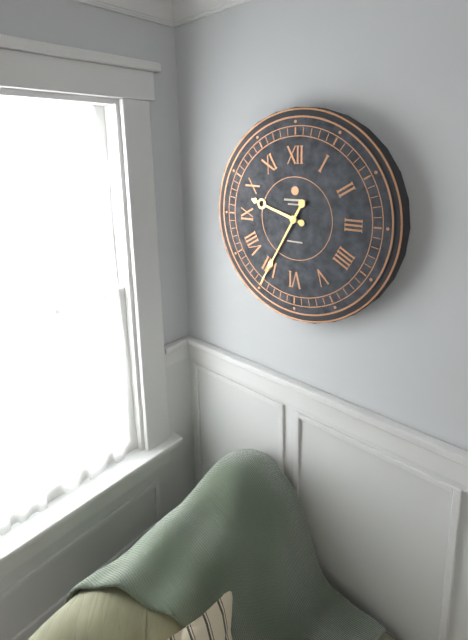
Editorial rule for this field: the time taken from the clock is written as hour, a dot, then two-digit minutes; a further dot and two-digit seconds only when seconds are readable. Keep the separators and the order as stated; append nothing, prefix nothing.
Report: 9.35
